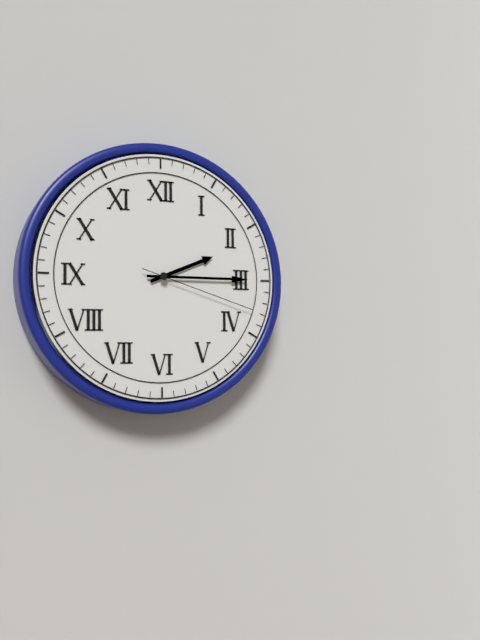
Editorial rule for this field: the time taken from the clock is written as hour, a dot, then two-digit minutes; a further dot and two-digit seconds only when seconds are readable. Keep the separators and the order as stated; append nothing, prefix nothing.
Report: 2.15.18
